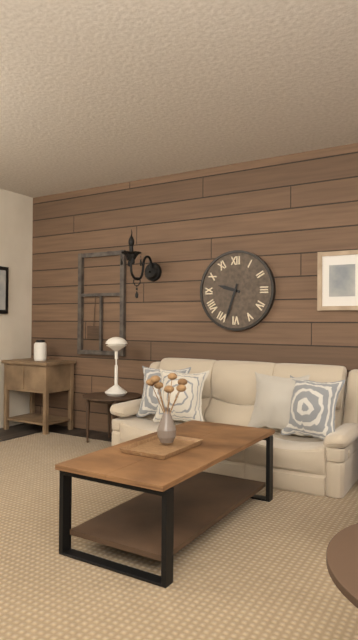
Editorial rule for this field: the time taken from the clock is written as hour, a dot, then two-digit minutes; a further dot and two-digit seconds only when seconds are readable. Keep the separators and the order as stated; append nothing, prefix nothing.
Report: 9.33
